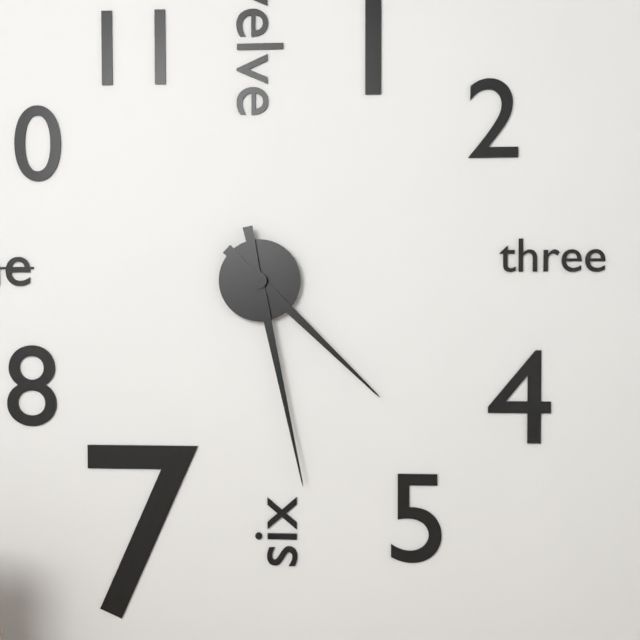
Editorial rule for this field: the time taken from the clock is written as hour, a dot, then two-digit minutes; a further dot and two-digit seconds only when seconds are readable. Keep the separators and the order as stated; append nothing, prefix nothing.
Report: 4.28
